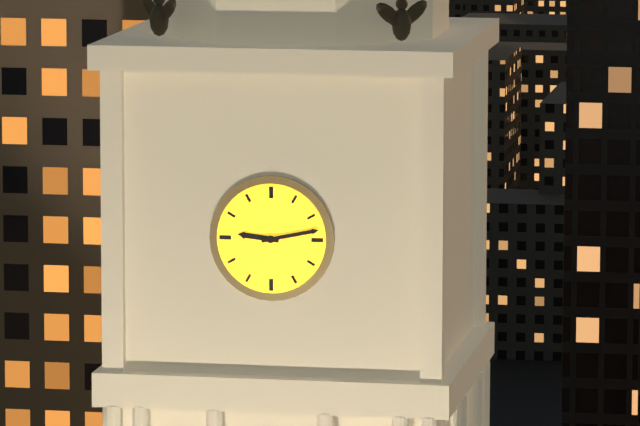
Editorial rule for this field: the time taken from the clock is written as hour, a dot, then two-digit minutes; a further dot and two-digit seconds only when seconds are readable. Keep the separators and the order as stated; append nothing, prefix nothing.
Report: 9.13
